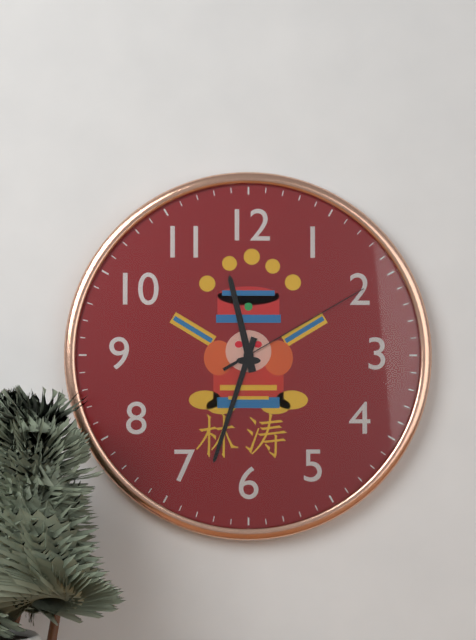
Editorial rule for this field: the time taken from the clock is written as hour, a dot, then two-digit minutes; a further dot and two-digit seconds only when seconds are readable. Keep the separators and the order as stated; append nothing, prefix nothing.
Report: 11.33.10
